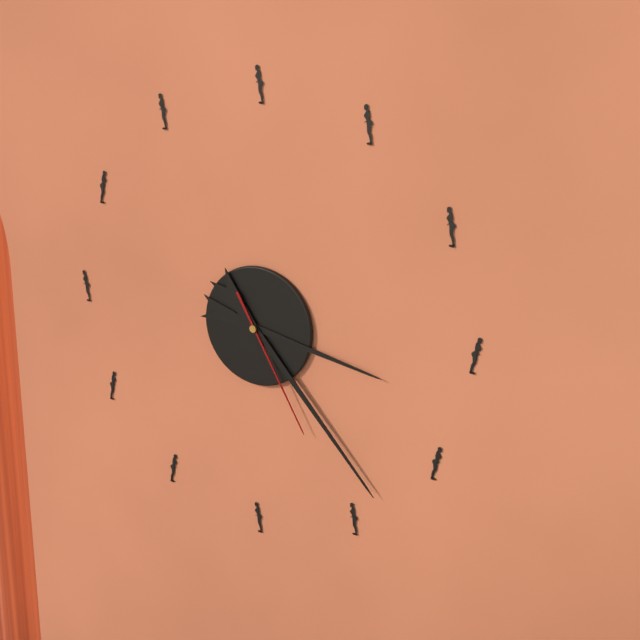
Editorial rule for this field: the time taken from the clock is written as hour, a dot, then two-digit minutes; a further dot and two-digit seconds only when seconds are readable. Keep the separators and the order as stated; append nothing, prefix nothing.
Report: 3.23.25
